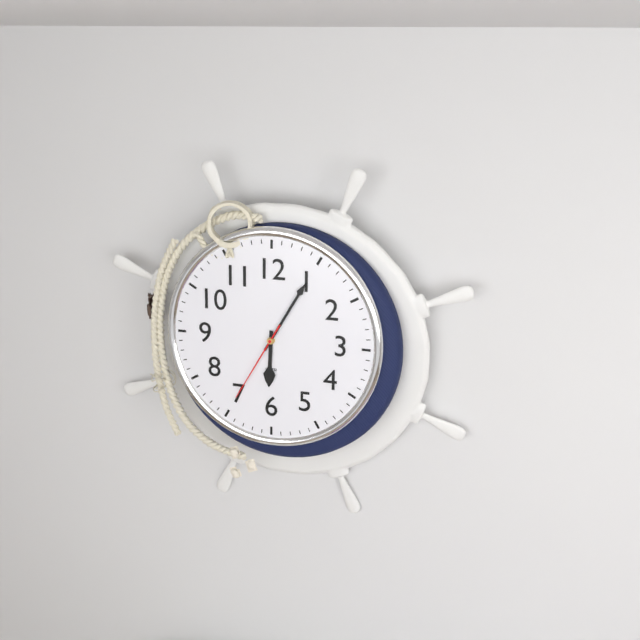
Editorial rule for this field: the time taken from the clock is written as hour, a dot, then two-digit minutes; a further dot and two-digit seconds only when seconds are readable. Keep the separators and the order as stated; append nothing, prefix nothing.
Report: 6.05.35
